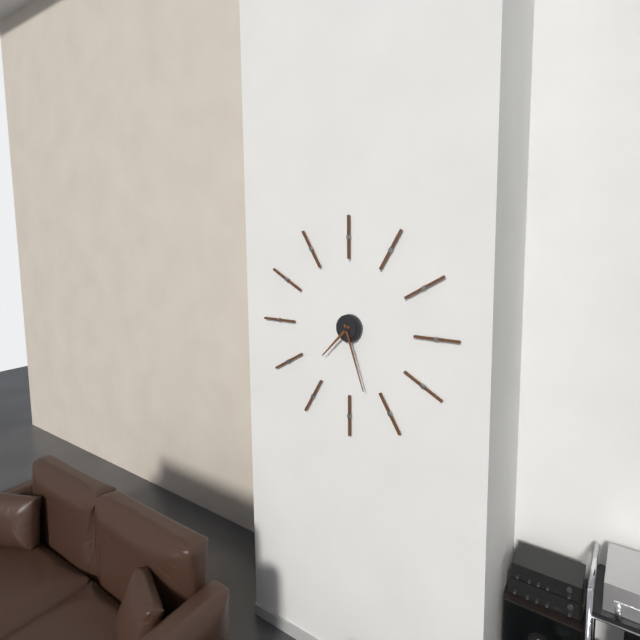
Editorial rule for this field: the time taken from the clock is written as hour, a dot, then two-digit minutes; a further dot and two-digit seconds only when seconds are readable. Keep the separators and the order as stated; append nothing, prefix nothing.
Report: 7.27
